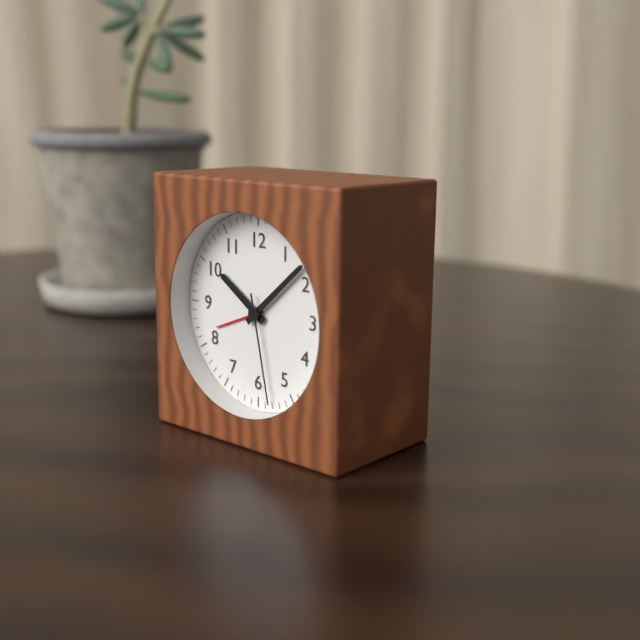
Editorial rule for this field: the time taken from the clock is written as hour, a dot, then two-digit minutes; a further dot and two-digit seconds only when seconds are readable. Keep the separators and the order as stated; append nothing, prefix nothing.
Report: 10.08.28
